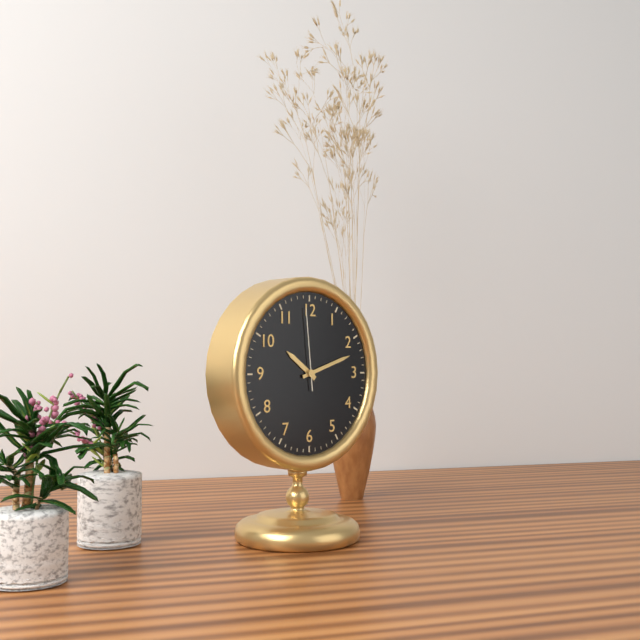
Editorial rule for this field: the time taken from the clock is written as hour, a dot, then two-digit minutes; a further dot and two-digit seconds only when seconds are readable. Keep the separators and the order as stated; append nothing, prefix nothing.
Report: 10.12.59
